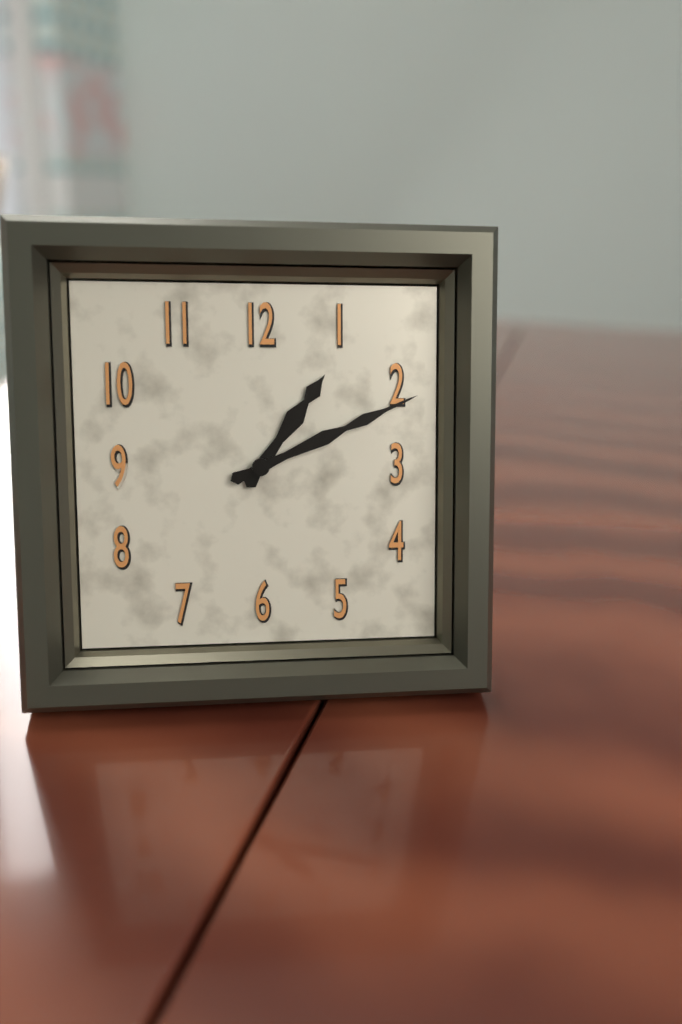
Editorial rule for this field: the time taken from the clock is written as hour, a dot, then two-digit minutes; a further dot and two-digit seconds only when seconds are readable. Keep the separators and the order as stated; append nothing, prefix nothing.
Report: 1.11
